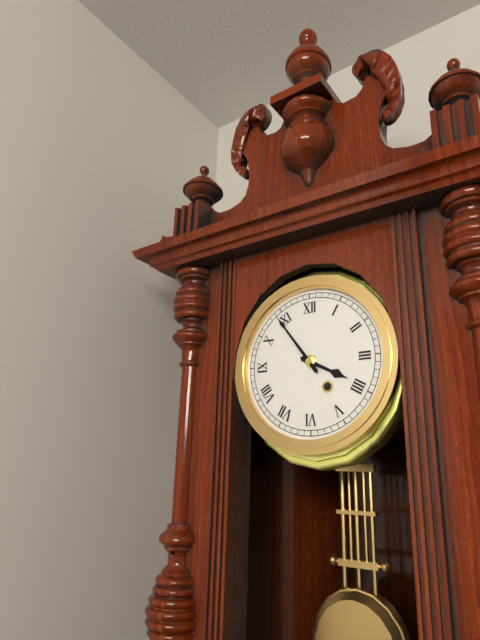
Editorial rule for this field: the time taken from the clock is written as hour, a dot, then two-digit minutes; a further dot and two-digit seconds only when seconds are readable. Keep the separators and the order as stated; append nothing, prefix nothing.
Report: 3.54
